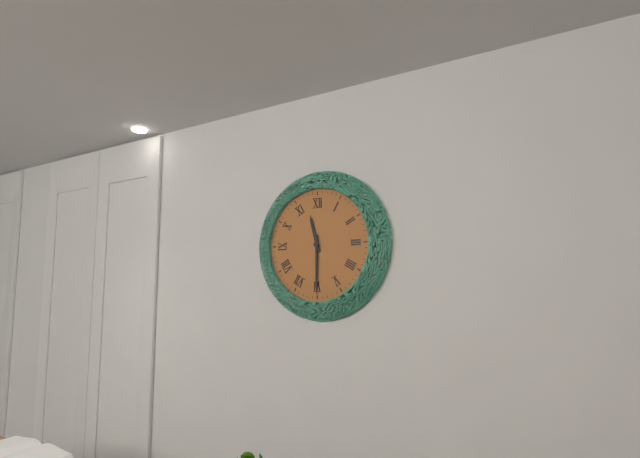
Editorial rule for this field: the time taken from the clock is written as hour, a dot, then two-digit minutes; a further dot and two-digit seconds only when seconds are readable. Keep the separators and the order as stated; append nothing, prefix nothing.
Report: 11.30
